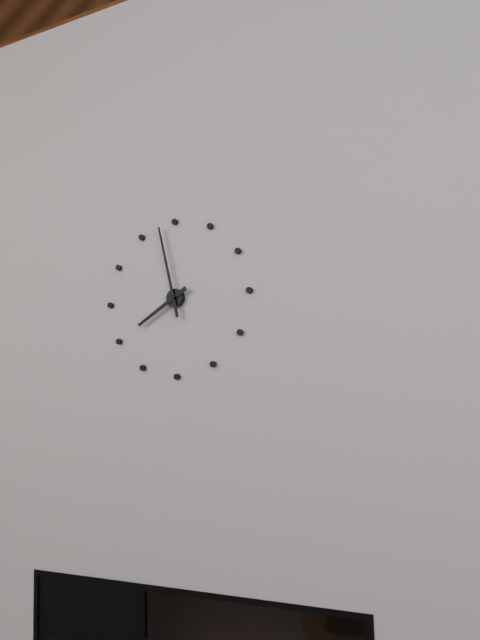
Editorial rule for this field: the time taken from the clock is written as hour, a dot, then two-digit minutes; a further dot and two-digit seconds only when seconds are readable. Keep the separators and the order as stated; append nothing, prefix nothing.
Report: 7.58
